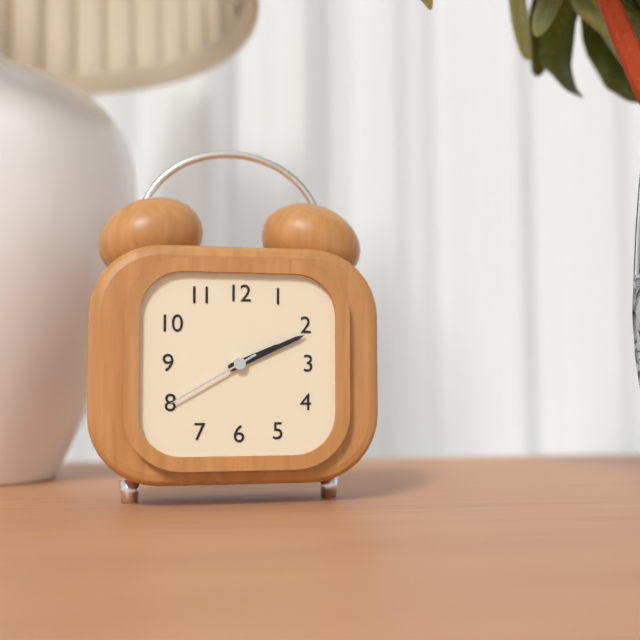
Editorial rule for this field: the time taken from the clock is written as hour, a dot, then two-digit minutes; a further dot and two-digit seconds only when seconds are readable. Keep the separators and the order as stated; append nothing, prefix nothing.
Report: 2.11.40
